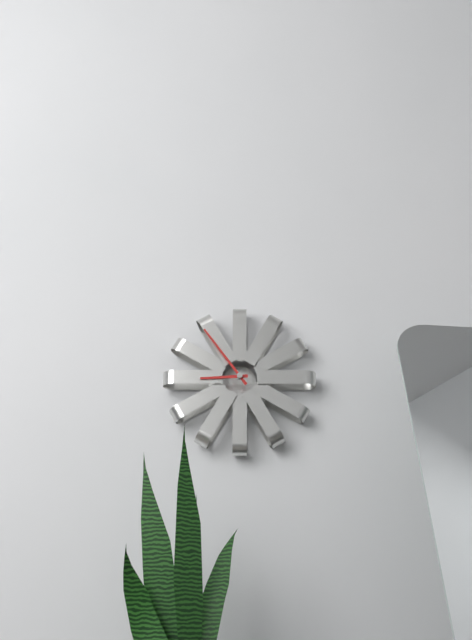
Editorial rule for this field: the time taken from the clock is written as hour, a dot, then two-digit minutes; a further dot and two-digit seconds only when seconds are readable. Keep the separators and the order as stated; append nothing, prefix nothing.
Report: 8.54
